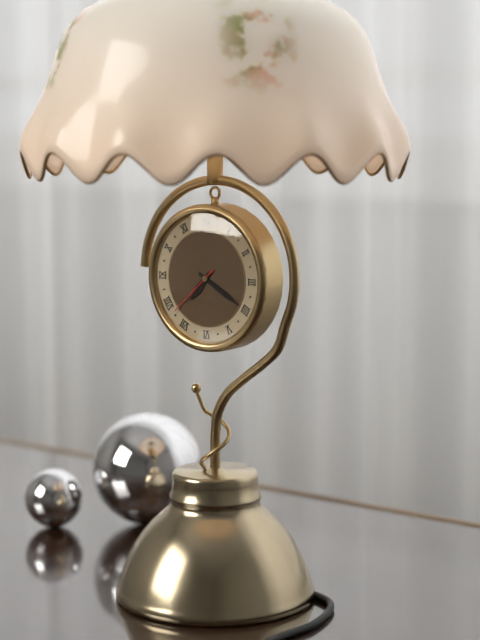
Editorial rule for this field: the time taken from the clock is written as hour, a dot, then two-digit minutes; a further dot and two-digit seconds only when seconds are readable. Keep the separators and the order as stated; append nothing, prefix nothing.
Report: 7.20.38
